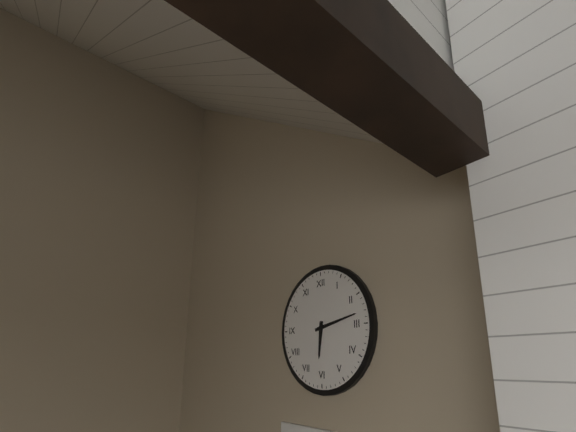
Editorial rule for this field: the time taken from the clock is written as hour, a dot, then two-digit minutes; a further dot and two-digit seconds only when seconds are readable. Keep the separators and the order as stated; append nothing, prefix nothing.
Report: 6.13
